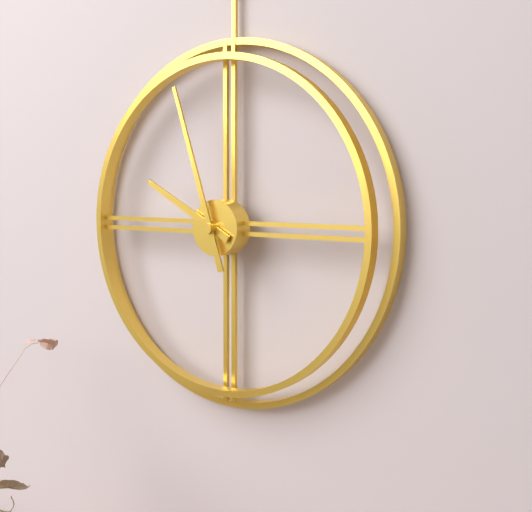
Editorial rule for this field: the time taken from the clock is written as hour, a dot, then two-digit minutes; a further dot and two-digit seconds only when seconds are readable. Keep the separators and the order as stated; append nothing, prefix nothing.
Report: 9.57
